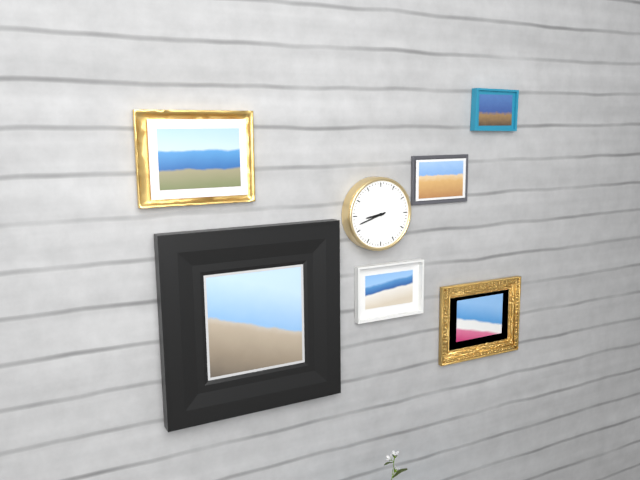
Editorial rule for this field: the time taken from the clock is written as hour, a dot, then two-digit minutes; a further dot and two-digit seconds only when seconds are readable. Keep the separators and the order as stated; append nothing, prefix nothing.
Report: 8.42
